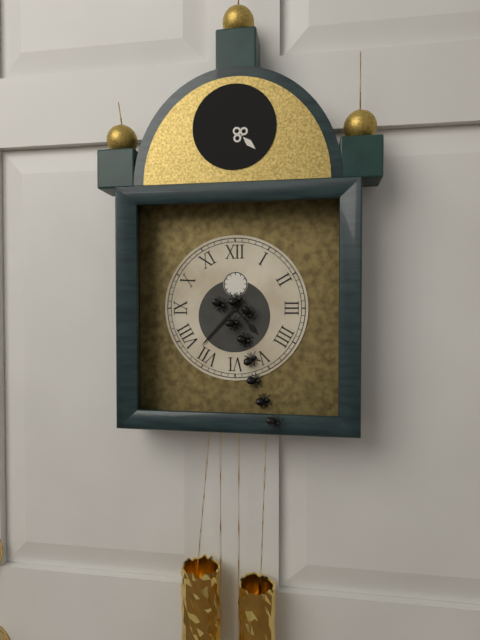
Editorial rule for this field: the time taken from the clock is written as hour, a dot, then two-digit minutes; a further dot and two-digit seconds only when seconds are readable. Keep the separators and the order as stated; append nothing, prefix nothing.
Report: 4.37
